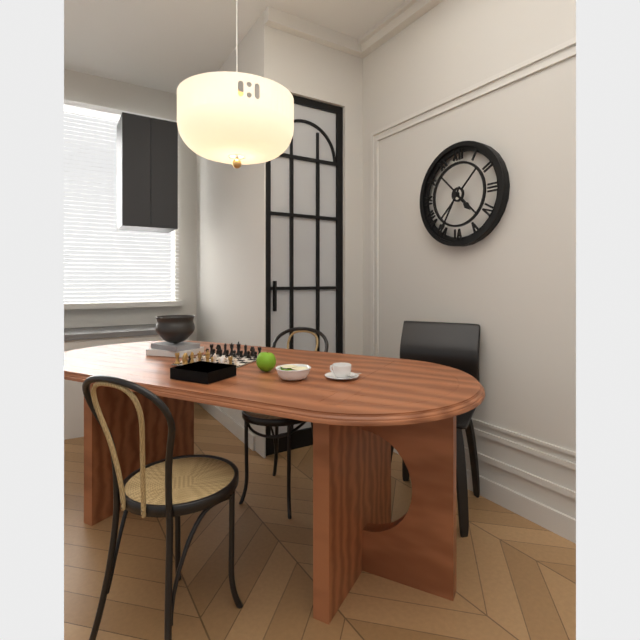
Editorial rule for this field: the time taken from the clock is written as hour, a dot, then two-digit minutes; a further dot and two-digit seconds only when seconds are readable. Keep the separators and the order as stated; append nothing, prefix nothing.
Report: 4.35
